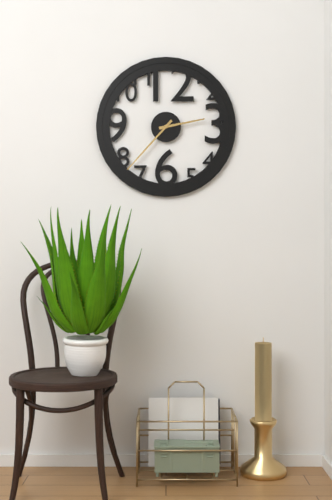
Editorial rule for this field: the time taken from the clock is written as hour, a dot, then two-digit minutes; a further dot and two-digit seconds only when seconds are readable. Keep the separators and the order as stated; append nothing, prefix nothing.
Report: 2.37
